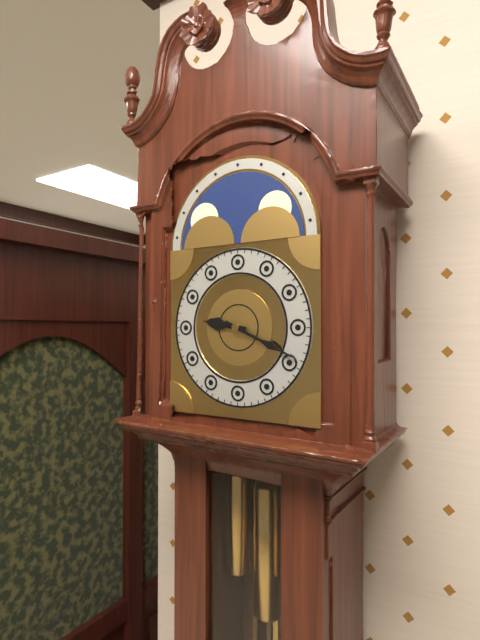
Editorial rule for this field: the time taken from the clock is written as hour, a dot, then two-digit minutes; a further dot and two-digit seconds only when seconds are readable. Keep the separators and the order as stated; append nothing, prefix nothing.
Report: 9.19
